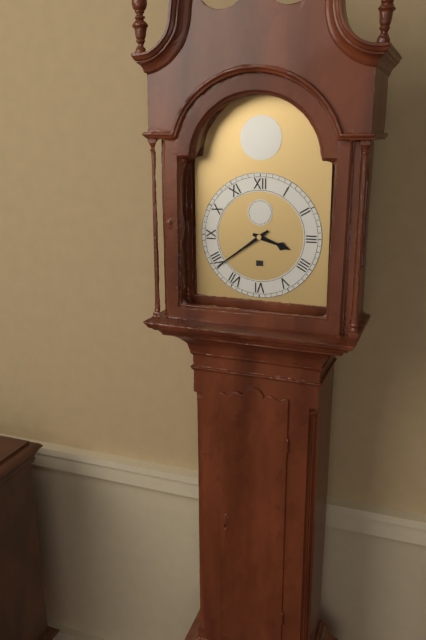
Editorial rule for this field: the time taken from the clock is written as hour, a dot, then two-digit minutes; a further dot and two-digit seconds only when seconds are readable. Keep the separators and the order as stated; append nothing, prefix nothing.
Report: 3.39
